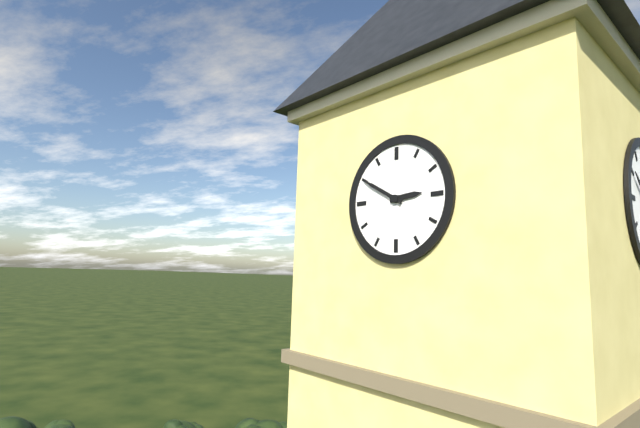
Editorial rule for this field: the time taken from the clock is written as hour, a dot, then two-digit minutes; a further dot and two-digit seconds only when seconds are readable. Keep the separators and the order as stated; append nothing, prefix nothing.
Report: 2.50
